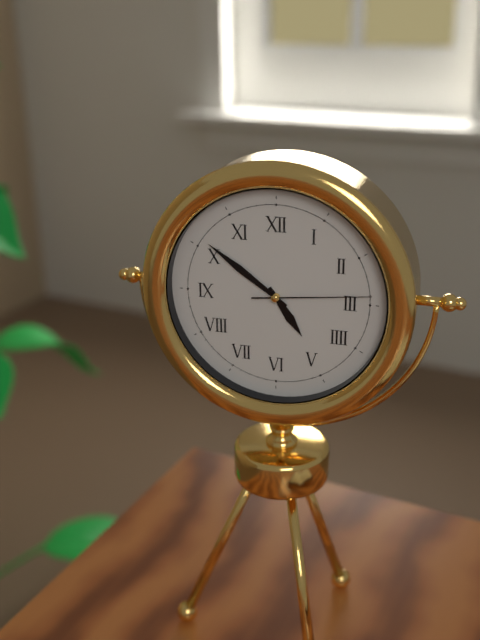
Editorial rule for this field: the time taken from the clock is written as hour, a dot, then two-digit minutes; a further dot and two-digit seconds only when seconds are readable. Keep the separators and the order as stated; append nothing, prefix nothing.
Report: 4.51.14
